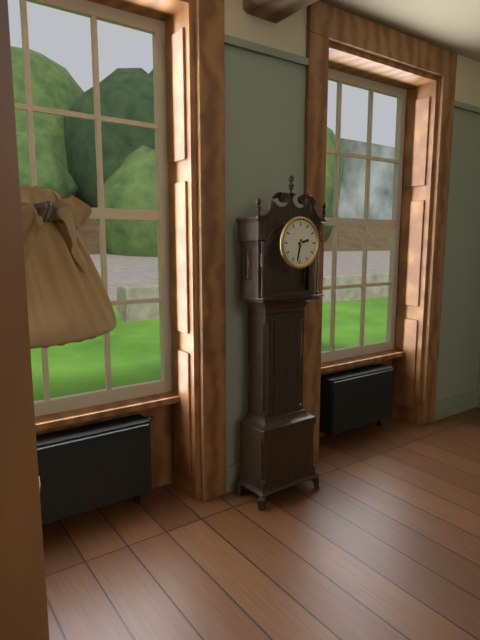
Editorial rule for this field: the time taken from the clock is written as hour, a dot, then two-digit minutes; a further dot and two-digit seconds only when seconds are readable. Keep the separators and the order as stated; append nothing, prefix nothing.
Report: 2.32
